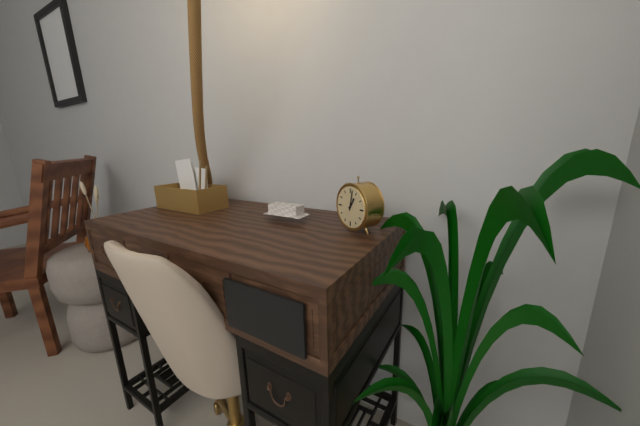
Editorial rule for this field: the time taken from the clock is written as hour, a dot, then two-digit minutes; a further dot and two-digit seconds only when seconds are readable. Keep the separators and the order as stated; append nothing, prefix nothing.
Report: 1.02
